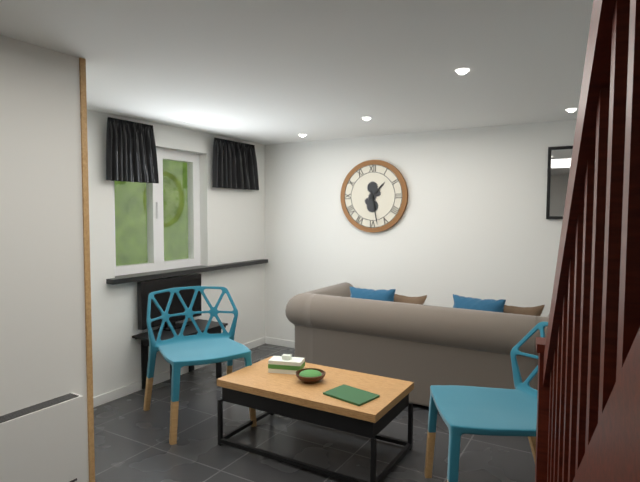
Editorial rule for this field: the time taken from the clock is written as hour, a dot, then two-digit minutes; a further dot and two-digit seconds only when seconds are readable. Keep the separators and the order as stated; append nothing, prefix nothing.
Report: 1.28
